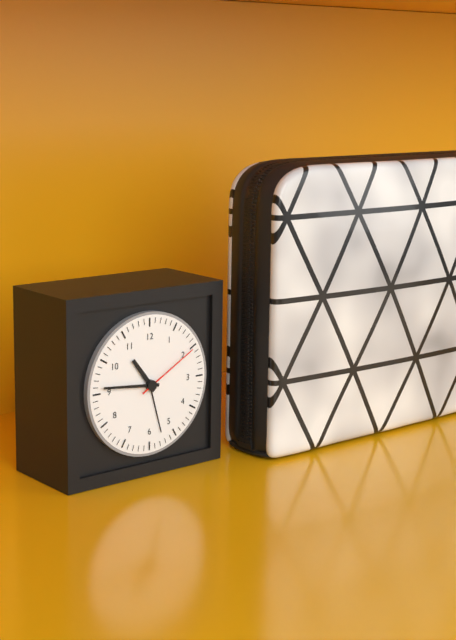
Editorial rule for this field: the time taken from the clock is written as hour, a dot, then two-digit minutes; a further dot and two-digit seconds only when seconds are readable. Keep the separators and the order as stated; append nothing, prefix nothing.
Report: 10.46.10
